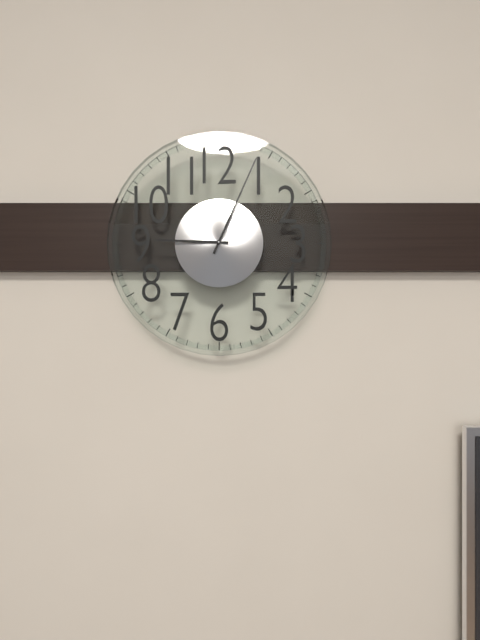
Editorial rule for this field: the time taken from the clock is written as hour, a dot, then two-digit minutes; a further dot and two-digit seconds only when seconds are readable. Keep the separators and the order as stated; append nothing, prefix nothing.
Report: 9.04
